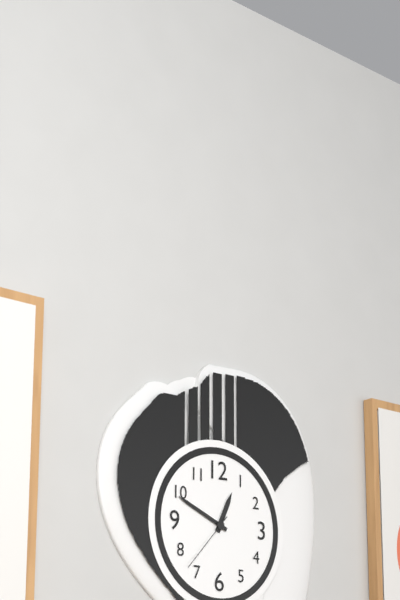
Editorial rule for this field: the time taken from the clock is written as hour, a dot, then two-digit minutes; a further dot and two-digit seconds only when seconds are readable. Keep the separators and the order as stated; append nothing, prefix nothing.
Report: 12.49.37
